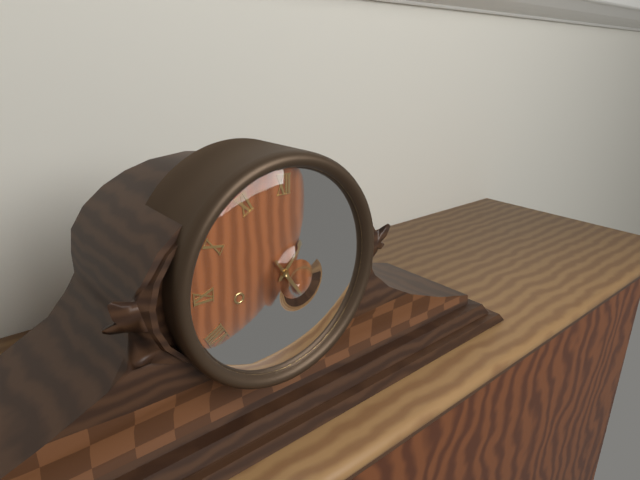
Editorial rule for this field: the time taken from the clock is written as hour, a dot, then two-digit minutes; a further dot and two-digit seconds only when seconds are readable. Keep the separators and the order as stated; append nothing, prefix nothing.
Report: 1.24
